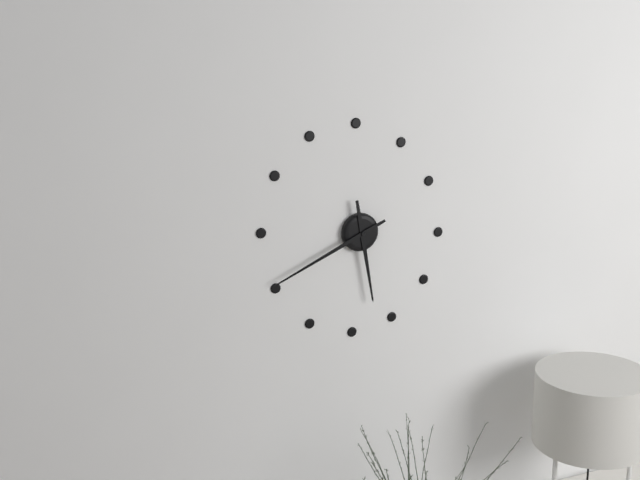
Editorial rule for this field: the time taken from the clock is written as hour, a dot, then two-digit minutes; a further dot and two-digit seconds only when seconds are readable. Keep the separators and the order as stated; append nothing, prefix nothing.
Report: 5.41
